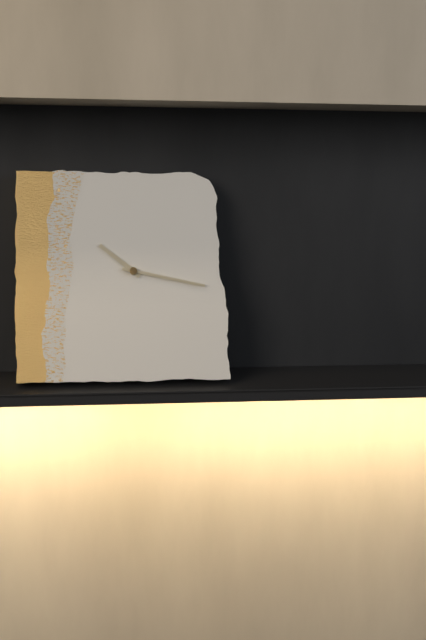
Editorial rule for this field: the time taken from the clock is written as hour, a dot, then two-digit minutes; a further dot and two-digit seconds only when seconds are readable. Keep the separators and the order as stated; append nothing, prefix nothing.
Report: 10.17
